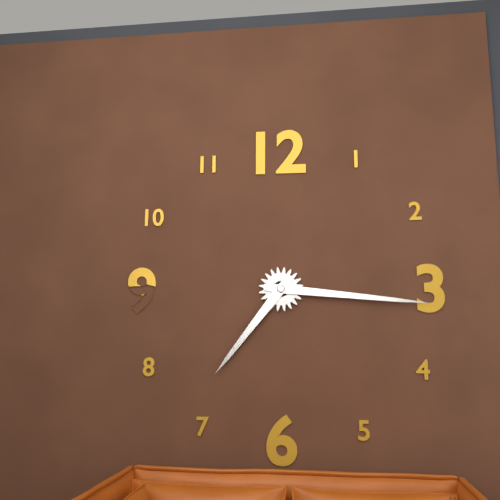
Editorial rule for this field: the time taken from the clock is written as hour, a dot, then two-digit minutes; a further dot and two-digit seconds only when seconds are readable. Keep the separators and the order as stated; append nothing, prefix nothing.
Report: 7.16
